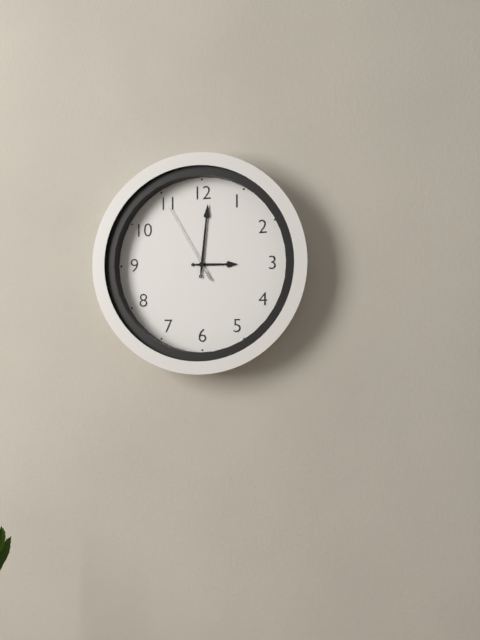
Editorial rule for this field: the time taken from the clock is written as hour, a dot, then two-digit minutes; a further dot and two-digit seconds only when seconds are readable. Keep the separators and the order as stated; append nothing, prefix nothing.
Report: 3.01.55
